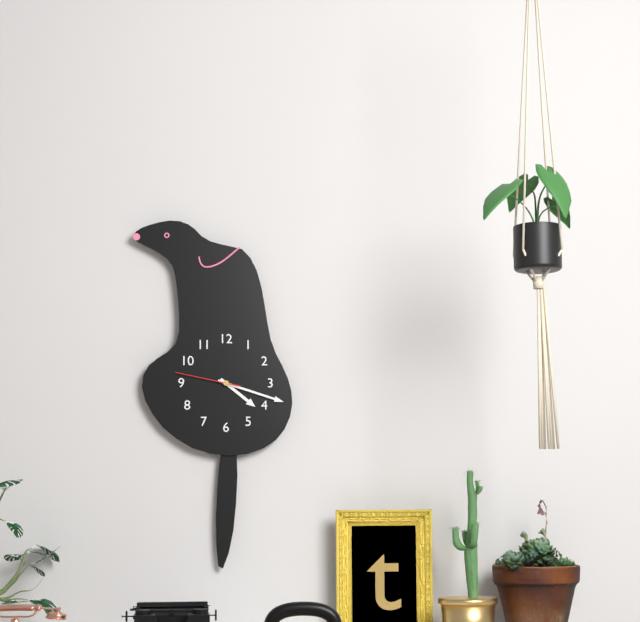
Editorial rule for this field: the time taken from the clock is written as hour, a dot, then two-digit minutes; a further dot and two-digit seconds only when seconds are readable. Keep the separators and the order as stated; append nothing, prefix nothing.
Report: 4.18.47
